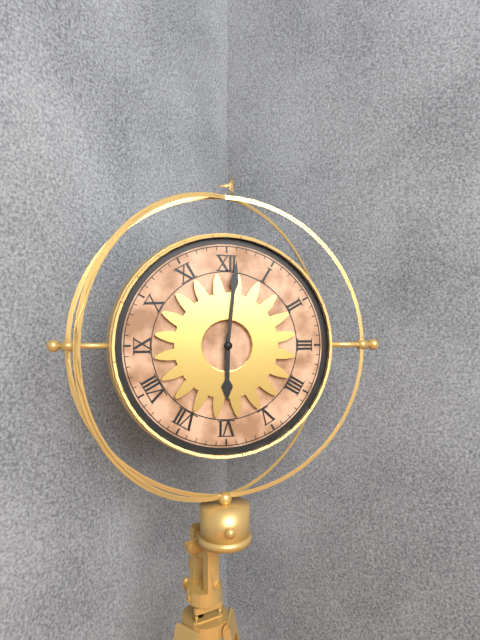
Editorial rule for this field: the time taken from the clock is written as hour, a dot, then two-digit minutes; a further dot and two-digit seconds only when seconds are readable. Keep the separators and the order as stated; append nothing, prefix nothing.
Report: 6.01
